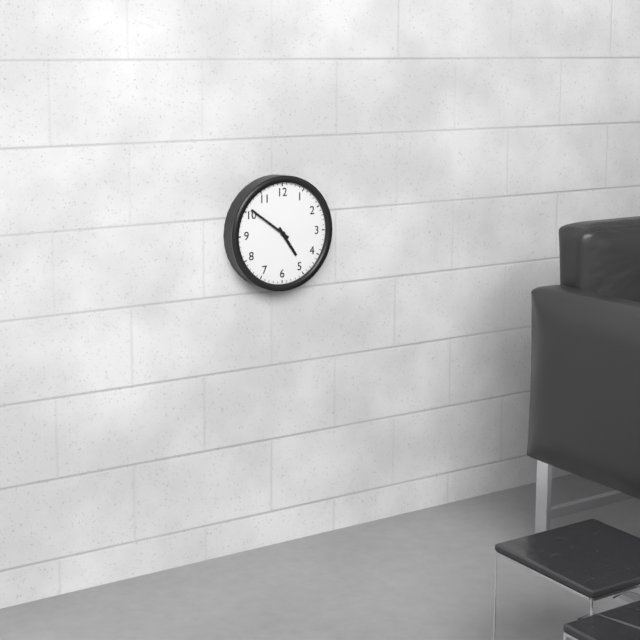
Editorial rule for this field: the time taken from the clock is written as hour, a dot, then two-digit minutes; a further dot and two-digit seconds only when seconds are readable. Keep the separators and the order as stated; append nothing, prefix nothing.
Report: 4.51
